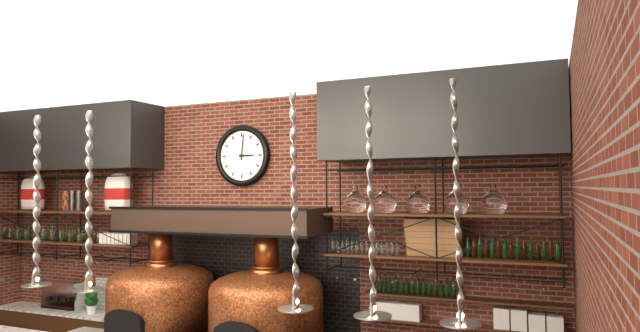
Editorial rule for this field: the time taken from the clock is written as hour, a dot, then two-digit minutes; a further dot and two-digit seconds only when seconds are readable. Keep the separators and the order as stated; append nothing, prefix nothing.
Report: 3.01
